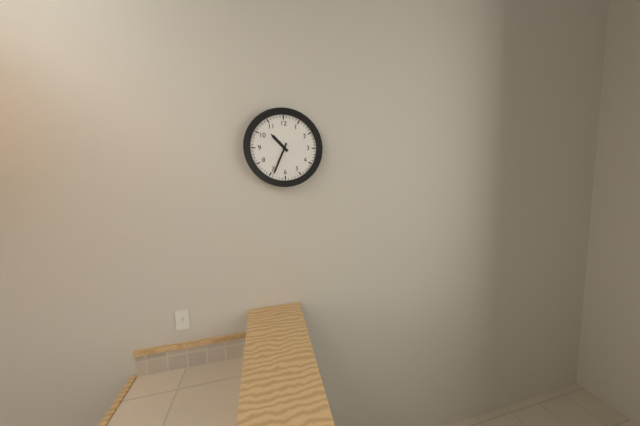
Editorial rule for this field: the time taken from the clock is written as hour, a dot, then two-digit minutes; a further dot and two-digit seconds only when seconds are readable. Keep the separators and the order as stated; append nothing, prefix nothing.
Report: 10.34
